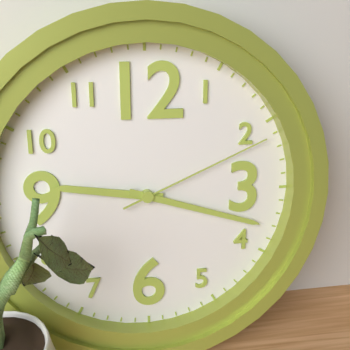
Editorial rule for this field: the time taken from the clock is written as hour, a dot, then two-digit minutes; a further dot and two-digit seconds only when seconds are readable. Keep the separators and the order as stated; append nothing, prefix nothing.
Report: 9.18.11
